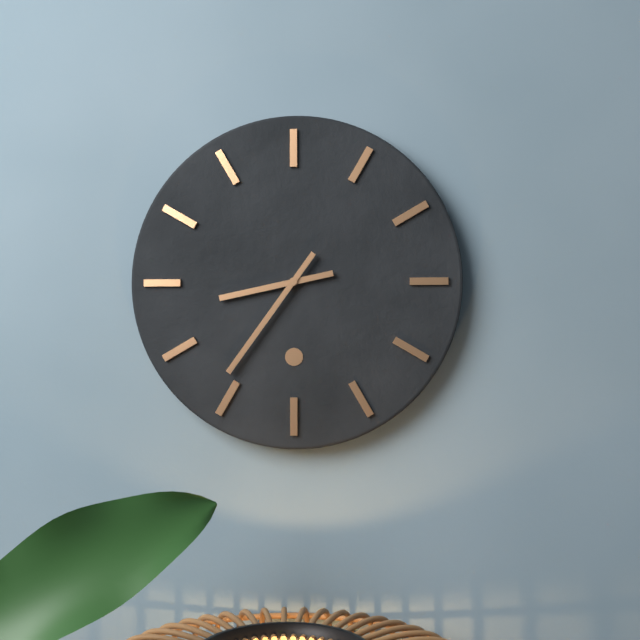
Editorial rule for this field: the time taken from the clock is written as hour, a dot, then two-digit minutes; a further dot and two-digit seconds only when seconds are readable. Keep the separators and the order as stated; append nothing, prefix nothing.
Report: 8.36
